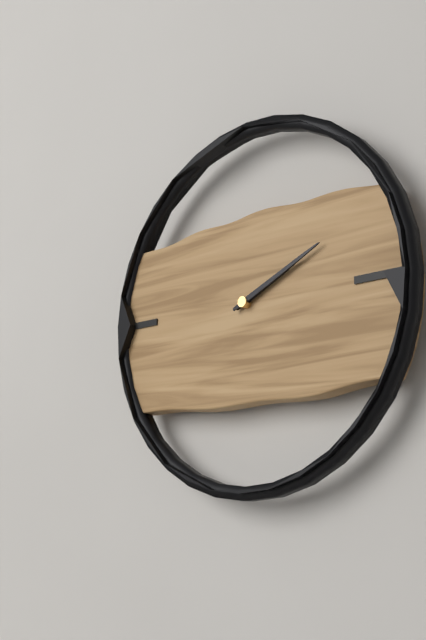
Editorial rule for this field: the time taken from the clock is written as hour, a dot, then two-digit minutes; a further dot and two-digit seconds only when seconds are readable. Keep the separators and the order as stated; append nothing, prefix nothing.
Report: 2.11
